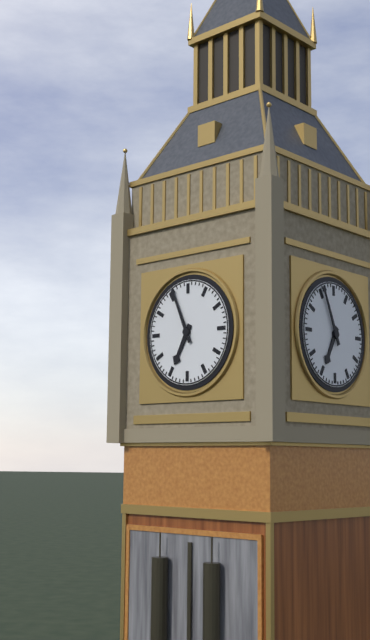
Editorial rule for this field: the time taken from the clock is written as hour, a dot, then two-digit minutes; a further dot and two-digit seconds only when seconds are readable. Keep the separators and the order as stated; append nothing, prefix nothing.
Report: 6.56
